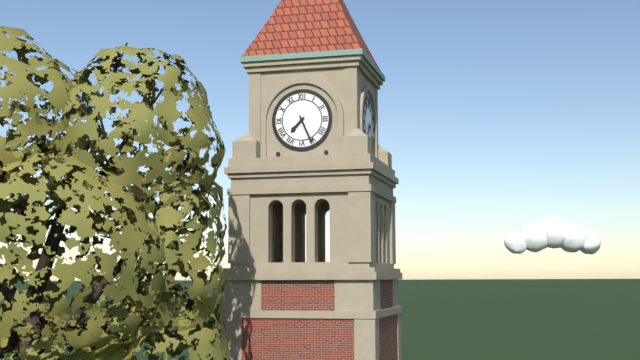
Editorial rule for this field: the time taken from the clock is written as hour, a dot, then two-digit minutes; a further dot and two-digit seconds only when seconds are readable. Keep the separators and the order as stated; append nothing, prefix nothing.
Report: 7.26
